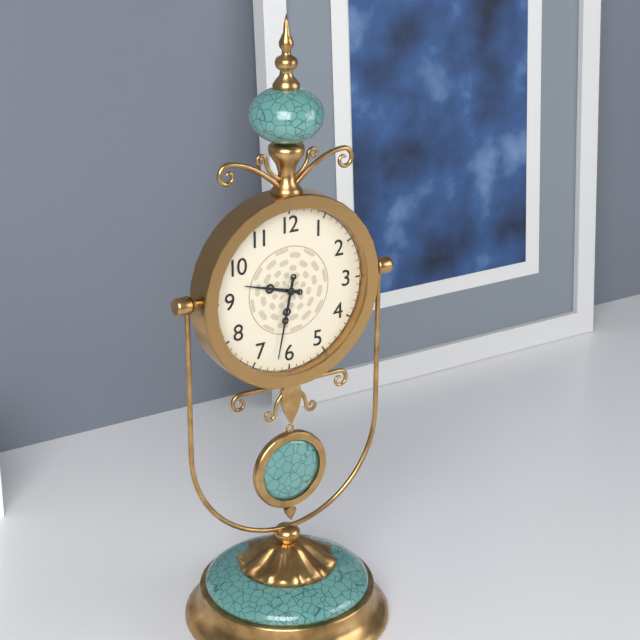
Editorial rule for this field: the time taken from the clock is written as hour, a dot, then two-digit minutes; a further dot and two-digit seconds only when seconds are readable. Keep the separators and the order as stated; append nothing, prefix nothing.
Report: 9.32
